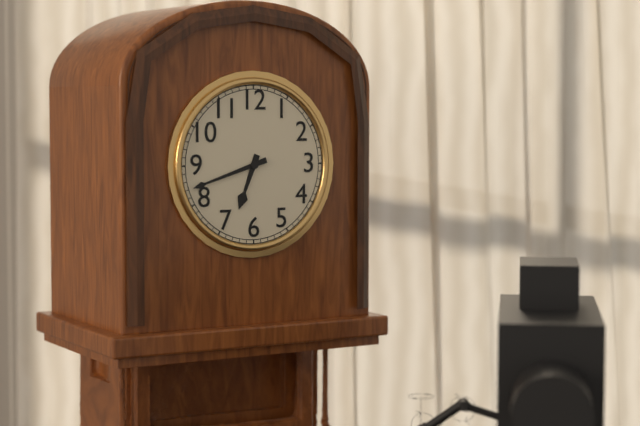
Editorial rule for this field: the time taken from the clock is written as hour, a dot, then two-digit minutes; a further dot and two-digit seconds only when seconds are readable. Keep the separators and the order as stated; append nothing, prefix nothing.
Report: 6.42
